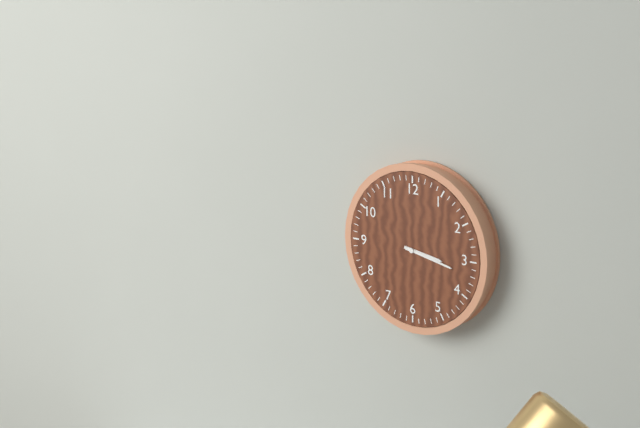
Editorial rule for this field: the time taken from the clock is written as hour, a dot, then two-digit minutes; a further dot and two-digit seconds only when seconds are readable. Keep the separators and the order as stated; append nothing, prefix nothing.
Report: 3.17
